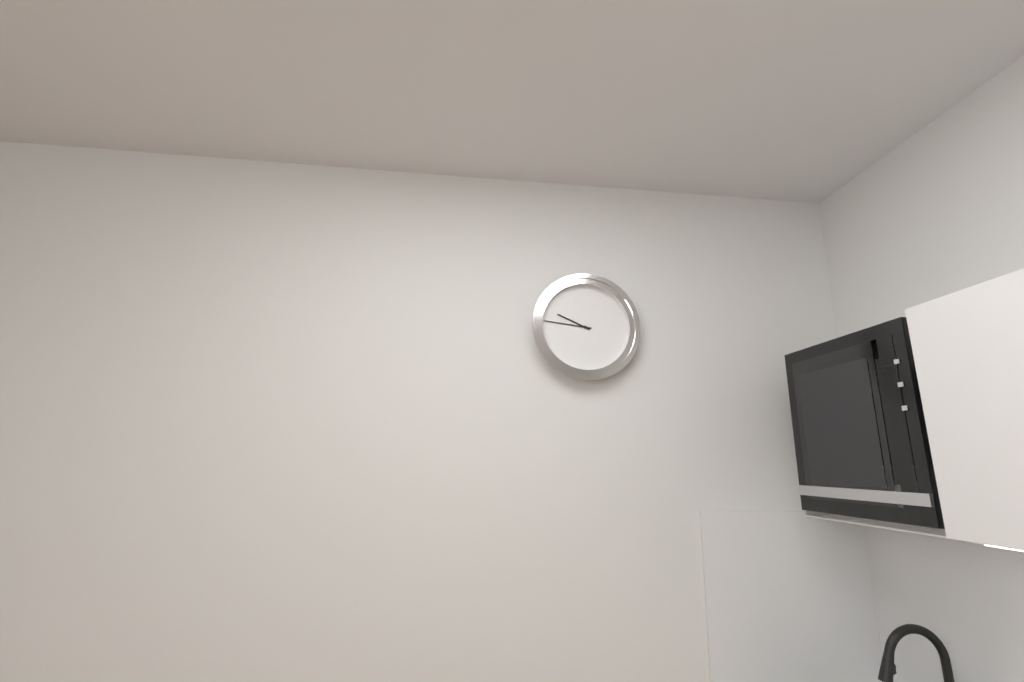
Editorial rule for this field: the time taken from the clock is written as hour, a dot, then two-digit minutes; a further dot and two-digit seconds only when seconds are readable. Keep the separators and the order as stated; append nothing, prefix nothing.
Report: 9.46
